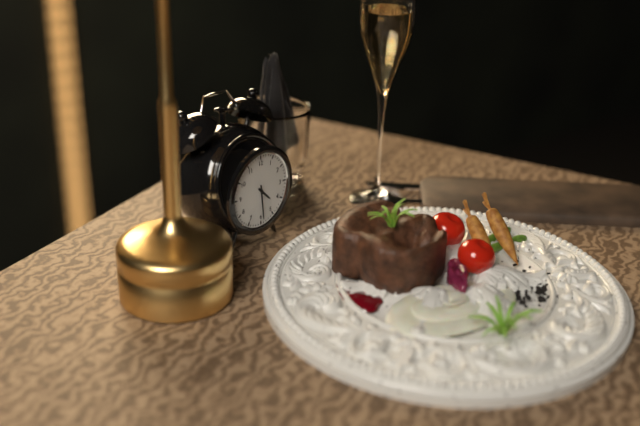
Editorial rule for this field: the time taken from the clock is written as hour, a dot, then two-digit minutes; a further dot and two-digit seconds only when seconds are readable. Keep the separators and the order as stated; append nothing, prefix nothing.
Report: 4.29
